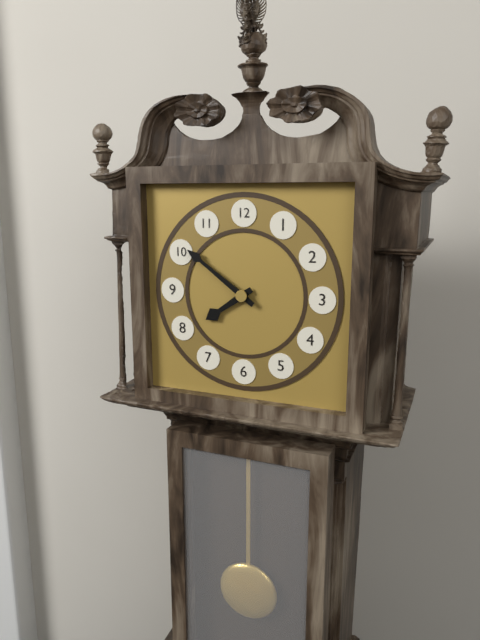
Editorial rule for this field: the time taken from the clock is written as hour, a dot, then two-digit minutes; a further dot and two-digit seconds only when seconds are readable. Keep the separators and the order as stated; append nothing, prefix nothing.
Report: 7.51
